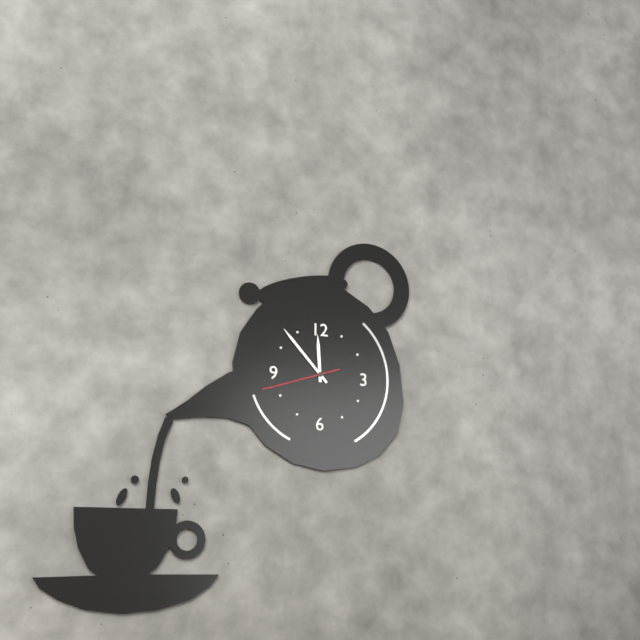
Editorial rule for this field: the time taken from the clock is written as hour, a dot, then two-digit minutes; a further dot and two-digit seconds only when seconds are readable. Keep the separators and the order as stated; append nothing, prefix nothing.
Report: 11.53.42
